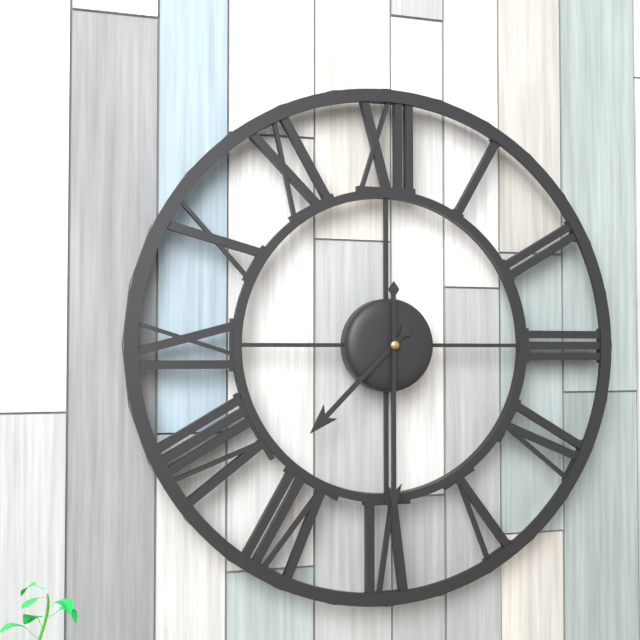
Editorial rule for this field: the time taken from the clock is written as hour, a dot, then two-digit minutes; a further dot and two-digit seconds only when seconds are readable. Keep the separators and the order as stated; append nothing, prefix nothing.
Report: 7.30
